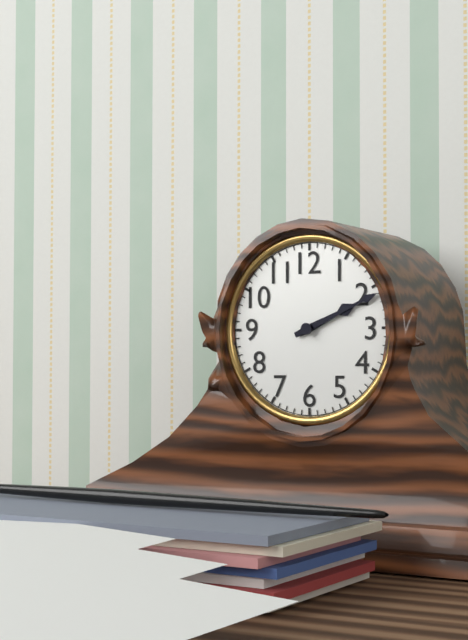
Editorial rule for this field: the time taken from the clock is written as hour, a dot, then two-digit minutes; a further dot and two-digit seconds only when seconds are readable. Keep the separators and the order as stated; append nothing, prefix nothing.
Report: 2.11
